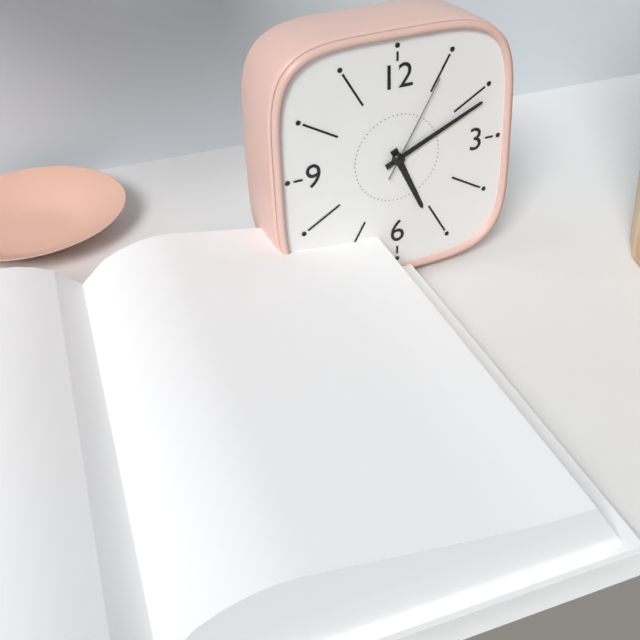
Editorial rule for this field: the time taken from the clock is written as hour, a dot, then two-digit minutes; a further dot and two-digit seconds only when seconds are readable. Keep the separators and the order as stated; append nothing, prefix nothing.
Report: 5.11.05
